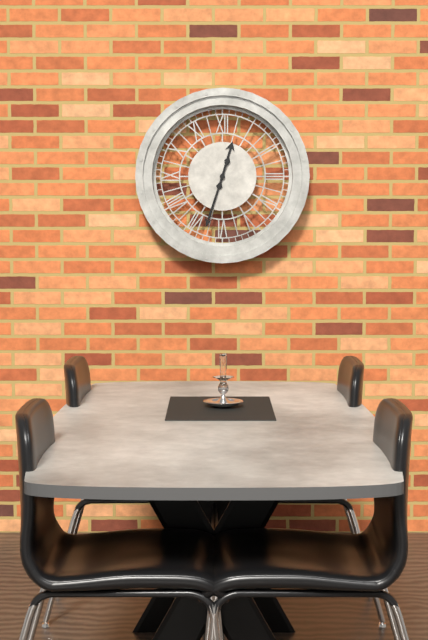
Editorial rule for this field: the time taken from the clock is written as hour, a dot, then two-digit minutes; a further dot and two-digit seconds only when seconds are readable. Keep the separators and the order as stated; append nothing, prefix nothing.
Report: 12.33
